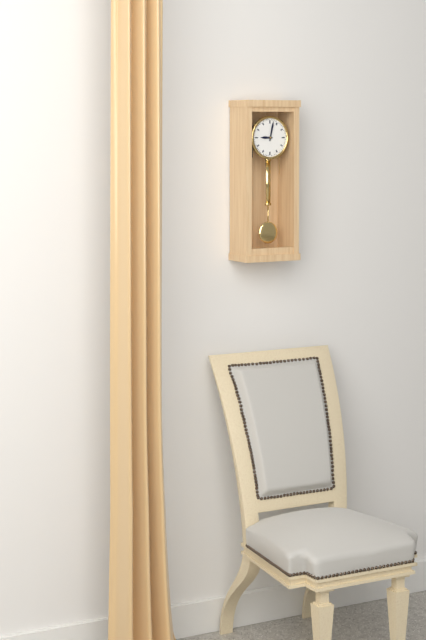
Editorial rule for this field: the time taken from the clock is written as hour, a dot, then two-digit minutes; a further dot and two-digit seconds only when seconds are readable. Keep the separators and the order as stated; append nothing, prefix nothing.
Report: 9.02
